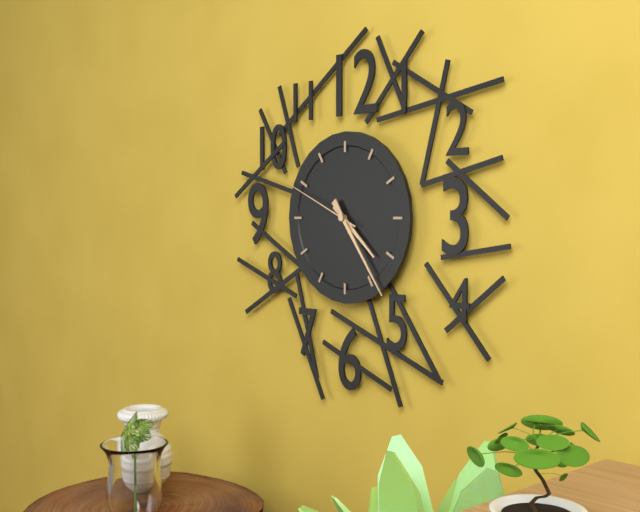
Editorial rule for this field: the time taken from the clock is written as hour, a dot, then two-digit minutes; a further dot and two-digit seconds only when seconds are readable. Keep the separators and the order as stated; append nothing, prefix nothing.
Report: 4.24.49
